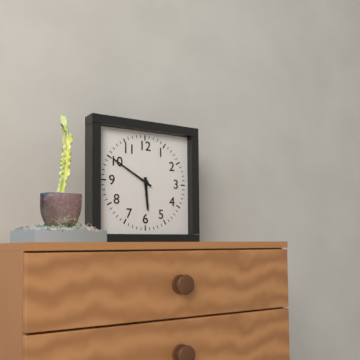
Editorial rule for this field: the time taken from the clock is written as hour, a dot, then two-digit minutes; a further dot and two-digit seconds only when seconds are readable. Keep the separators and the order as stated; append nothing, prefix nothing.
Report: 5.50
